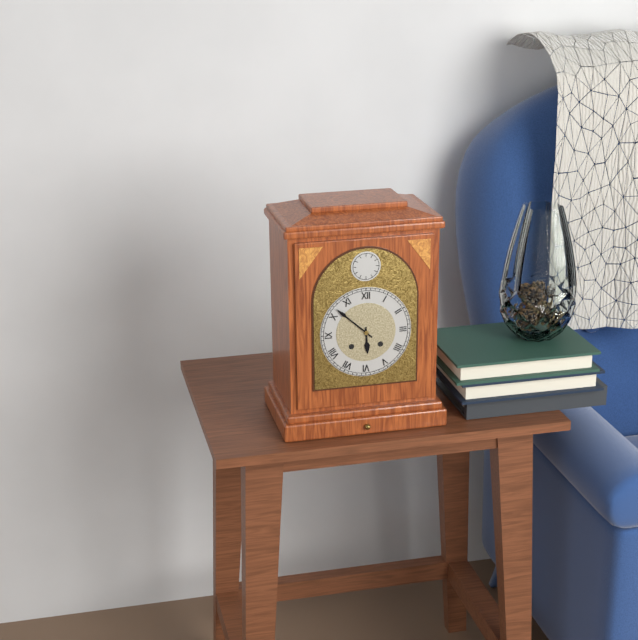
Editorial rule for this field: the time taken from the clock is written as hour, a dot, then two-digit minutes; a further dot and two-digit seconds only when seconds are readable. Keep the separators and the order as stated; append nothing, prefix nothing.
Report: 5.52
